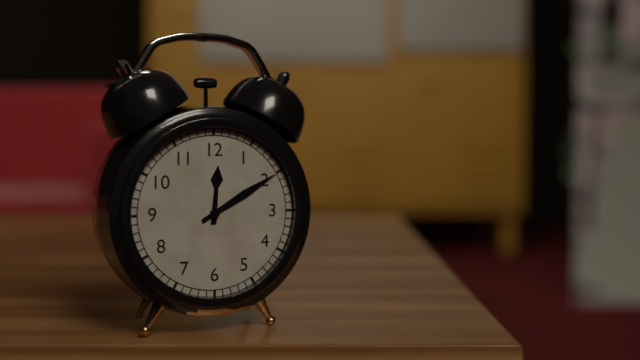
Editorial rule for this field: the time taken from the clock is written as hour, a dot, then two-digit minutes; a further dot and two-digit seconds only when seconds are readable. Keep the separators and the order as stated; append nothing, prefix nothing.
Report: 12.10
